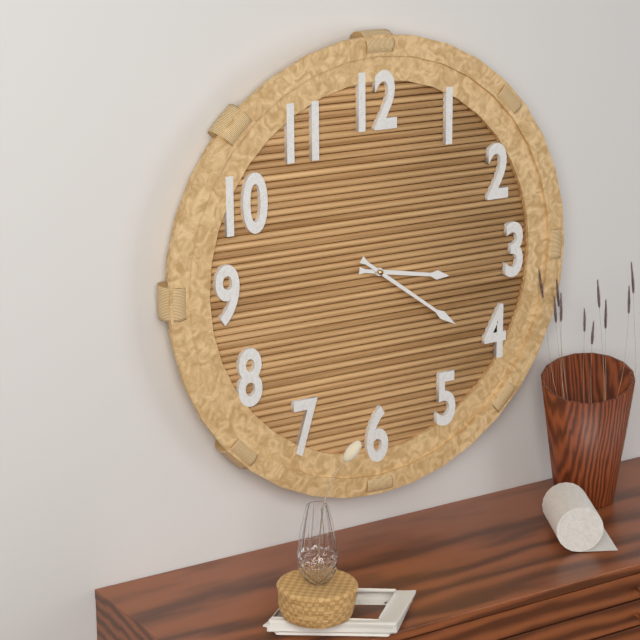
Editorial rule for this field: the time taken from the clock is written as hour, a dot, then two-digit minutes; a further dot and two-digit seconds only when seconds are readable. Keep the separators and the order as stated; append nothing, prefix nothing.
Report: 3.21
